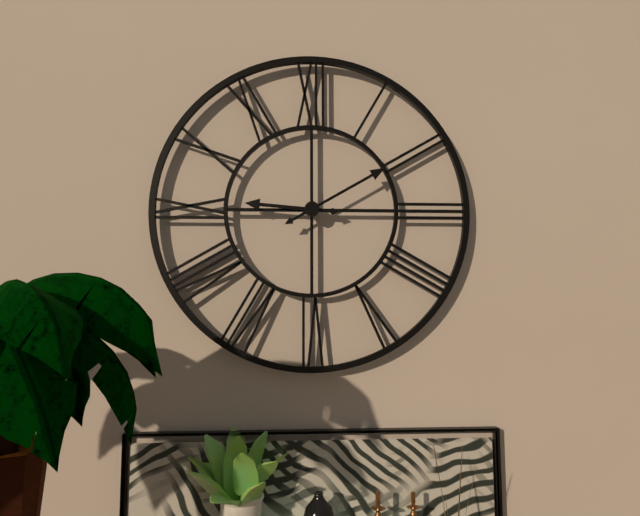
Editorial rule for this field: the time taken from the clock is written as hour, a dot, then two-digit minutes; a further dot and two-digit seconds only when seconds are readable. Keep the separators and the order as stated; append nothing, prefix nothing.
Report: 9.10
